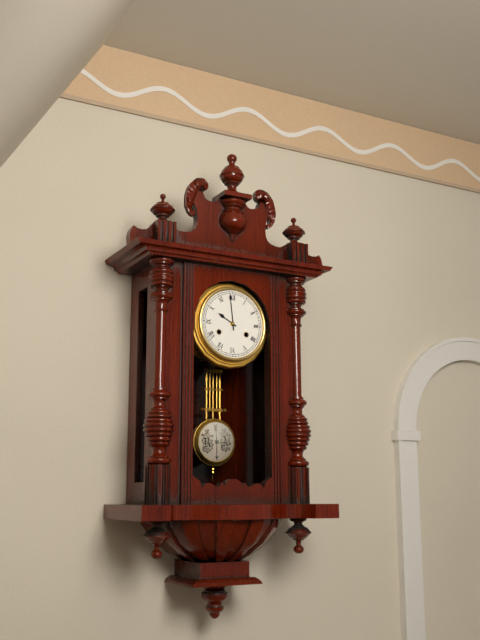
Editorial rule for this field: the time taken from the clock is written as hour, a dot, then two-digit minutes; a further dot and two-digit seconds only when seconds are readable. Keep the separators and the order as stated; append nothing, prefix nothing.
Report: 9.59
